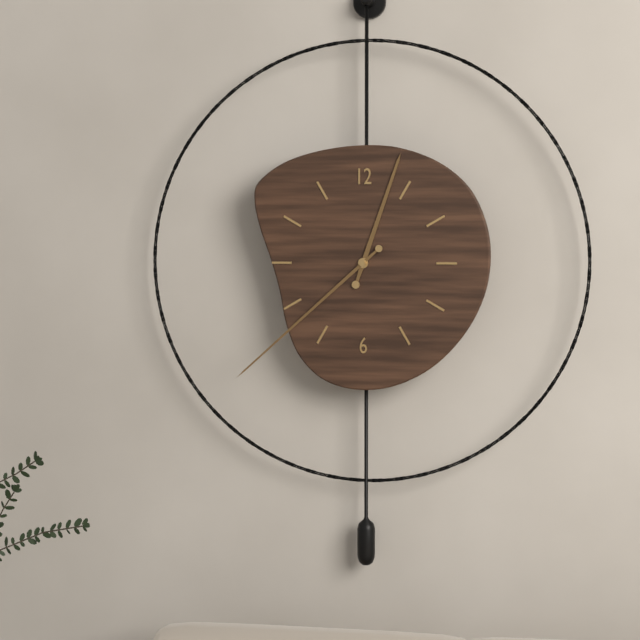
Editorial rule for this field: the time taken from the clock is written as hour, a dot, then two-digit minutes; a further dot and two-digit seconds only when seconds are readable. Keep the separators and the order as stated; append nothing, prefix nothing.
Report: 12.38
